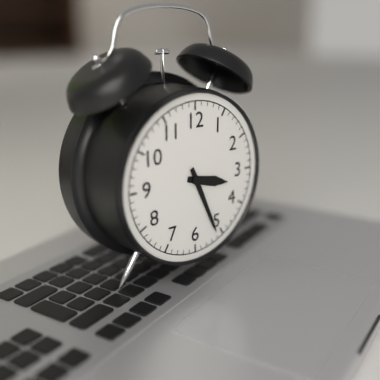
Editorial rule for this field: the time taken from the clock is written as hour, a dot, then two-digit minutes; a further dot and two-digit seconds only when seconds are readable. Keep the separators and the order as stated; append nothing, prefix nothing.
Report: 3.26
